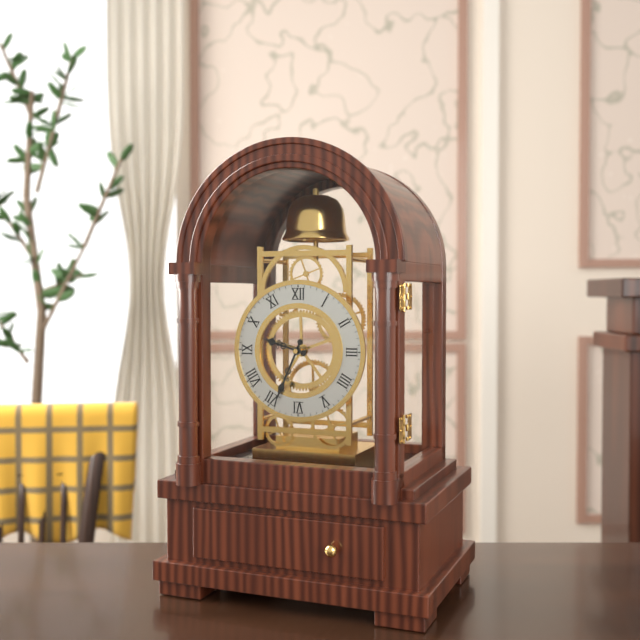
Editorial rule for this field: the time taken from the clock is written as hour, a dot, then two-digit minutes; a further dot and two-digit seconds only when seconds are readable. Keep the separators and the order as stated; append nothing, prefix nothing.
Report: 9.34
